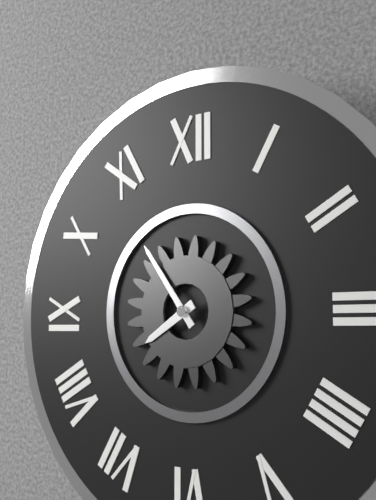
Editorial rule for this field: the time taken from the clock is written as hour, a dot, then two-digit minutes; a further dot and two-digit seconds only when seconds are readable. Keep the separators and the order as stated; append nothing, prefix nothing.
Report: 7.54
